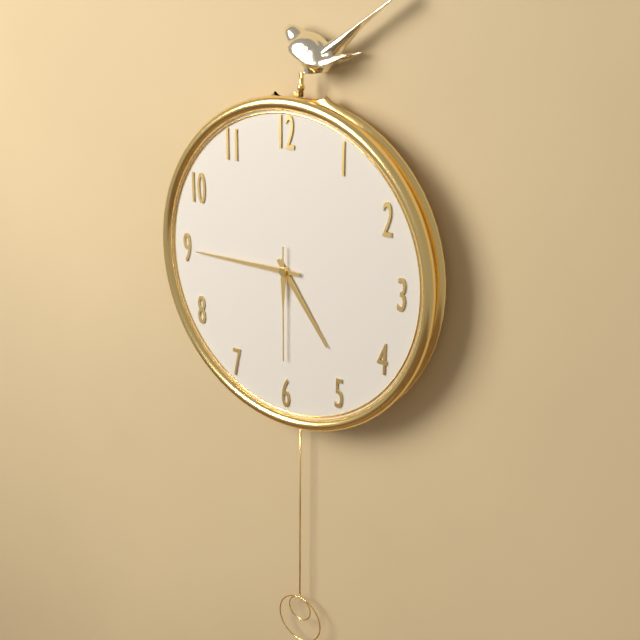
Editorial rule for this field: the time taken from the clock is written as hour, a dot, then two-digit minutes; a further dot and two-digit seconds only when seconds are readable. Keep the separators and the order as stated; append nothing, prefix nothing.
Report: 4.45.30
